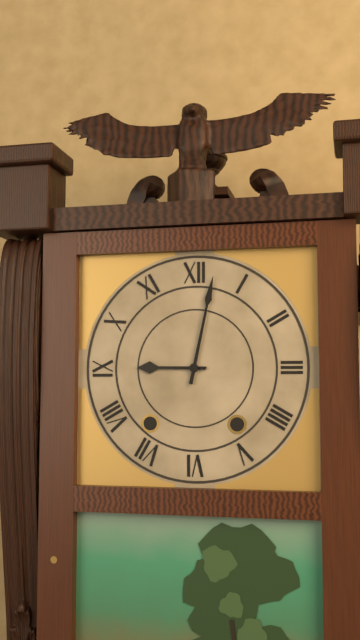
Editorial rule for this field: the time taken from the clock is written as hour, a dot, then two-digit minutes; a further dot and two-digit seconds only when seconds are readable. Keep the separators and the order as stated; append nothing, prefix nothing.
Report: 9.02
